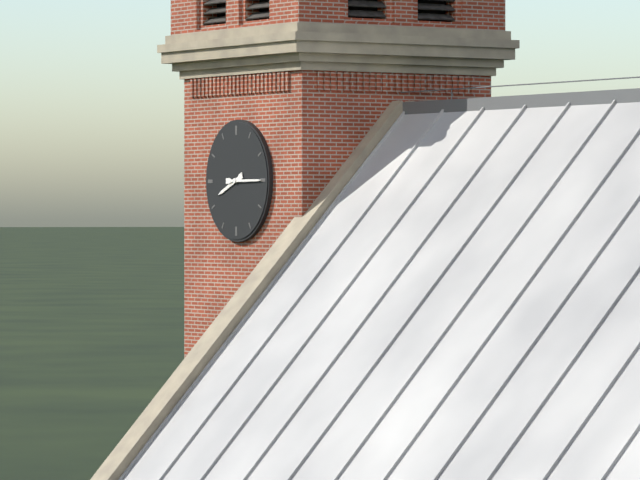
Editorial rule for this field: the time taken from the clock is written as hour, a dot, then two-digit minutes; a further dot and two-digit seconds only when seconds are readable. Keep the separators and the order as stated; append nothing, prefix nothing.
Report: 8.15
